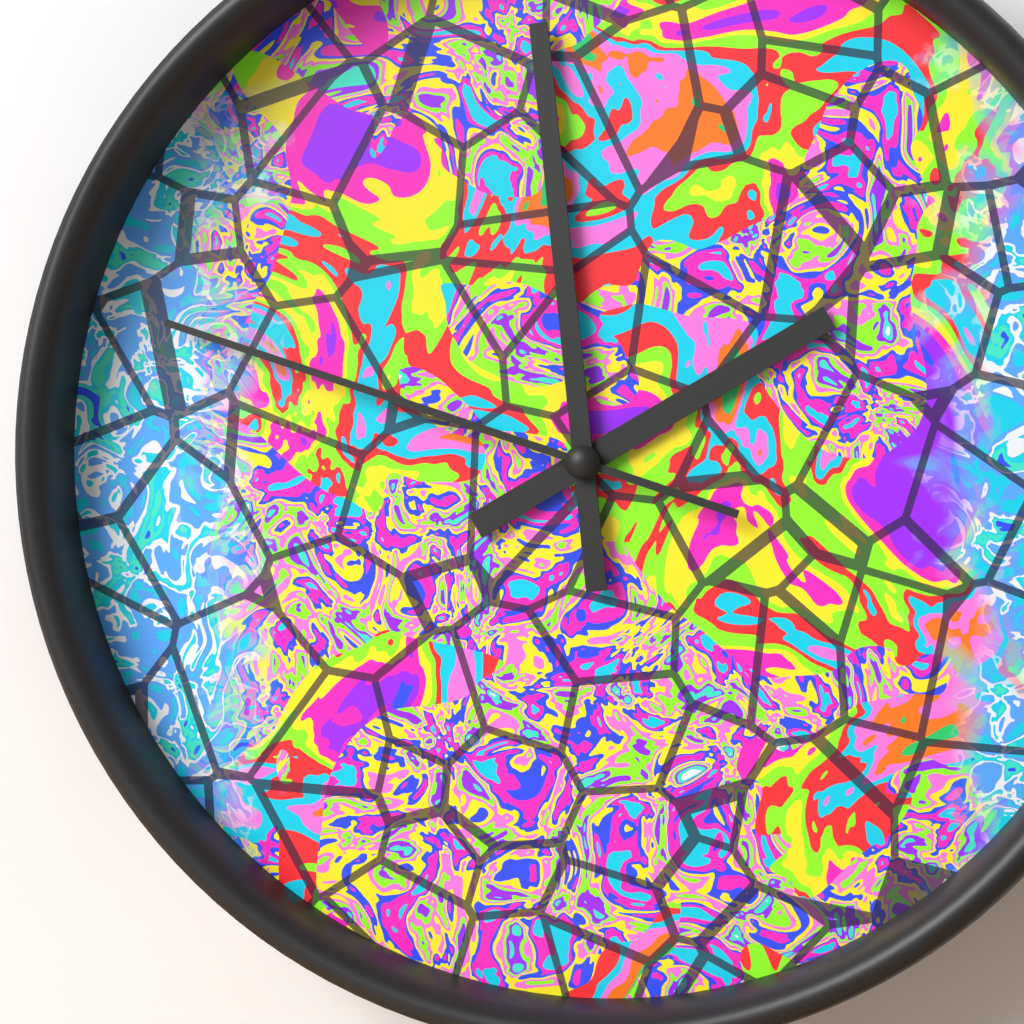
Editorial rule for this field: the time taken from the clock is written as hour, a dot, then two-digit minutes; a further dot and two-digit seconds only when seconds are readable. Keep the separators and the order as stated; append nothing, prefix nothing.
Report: 1.59.48
